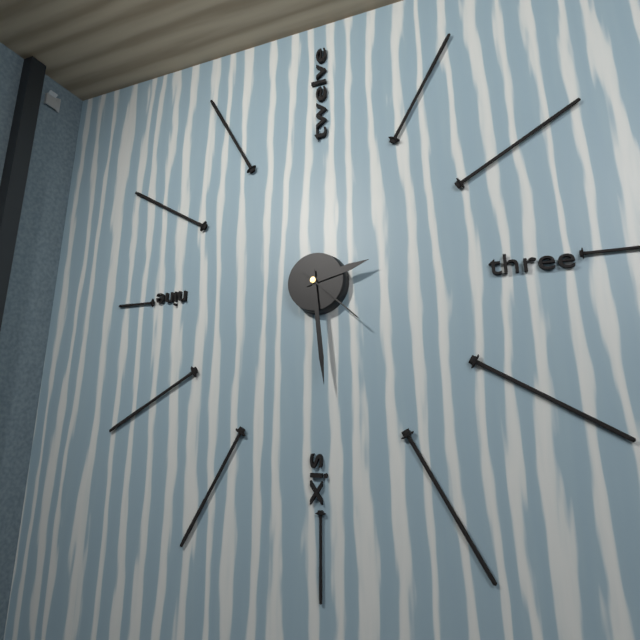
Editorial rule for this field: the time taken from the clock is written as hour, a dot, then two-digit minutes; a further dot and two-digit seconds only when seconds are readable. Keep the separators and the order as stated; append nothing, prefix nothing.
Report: 2.29.22
